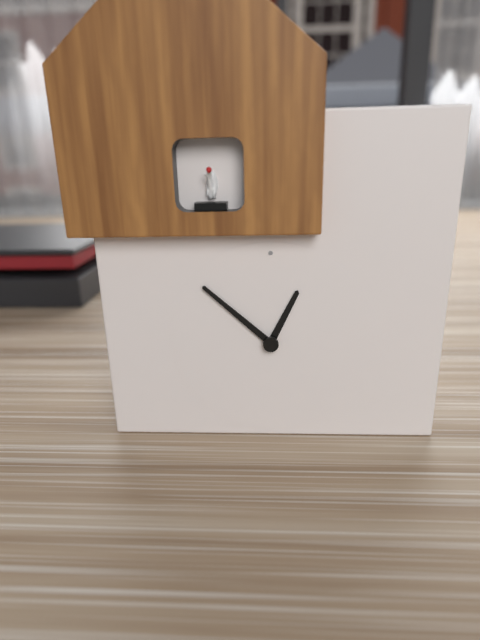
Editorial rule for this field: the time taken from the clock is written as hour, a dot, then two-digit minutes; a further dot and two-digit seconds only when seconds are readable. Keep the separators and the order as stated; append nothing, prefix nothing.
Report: 12.52
